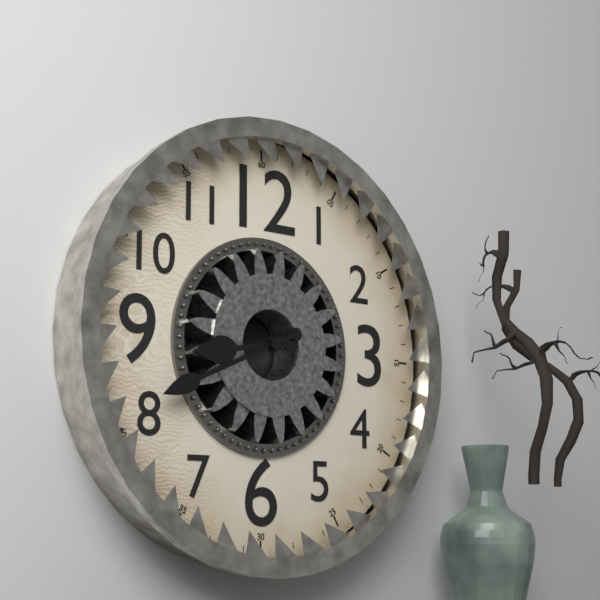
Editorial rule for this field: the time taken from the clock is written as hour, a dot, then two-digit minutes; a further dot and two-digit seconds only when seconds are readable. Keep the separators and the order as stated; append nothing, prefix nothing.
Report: 8.41
